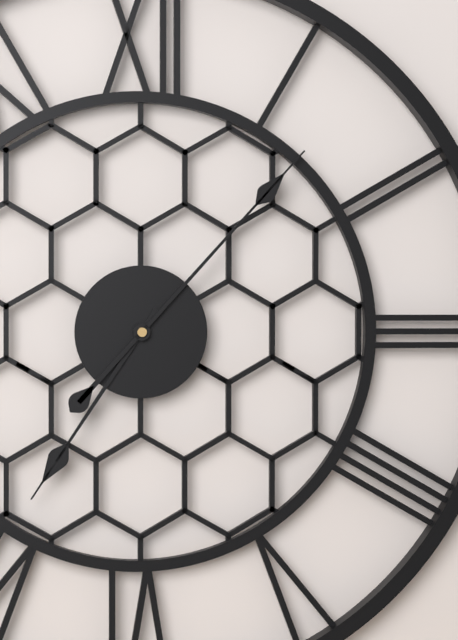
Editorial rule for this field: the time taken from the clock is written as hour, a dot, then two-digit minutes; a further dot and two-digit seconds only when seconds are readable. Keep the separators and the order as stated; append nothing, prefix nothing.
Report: 7.07
